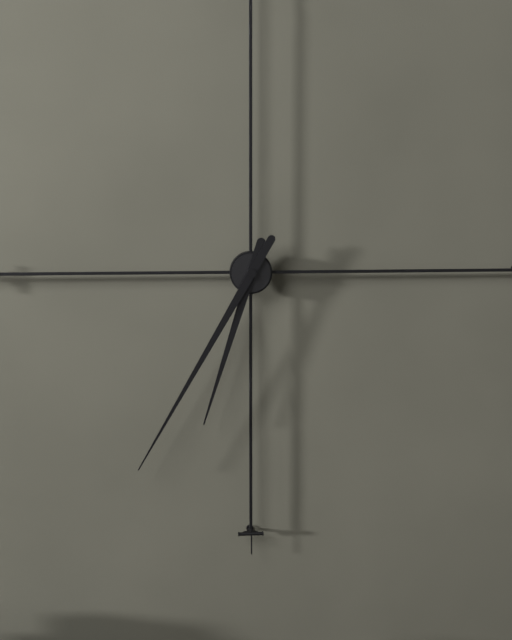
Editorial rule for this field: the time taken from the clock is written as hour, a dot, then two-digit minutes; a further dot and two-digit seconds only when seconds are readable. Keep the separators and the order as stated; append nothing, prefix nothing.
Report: 6.35
